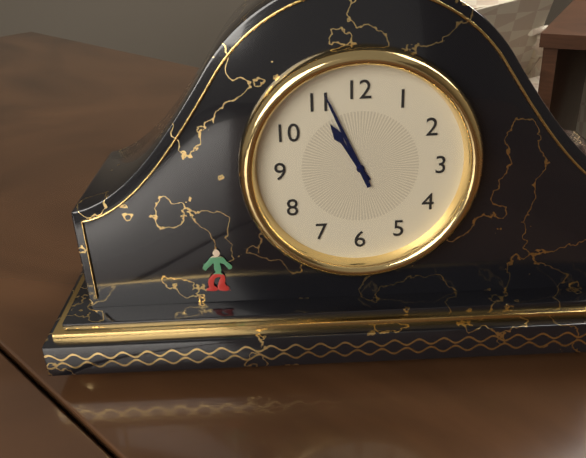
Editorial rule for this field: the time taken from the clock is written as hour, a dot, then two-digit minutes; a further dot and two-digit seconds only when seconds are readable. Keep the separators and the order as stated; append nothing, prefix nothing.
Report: 10.56
